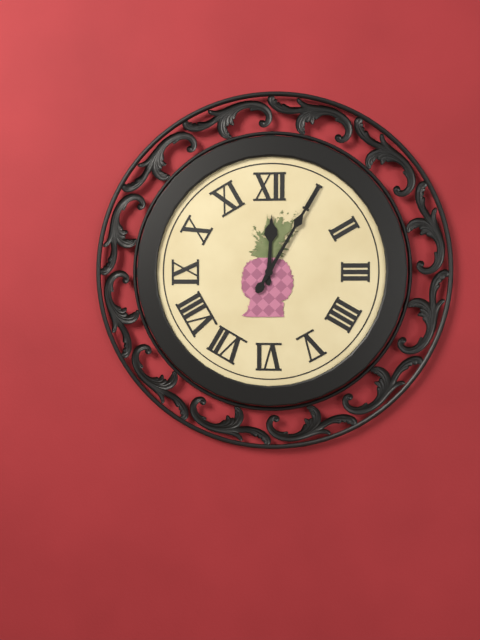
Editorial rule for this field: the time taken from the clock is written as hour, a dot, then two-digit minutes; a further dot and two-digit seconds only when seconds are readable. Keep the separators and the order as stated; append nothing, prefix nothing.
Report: 12.05
